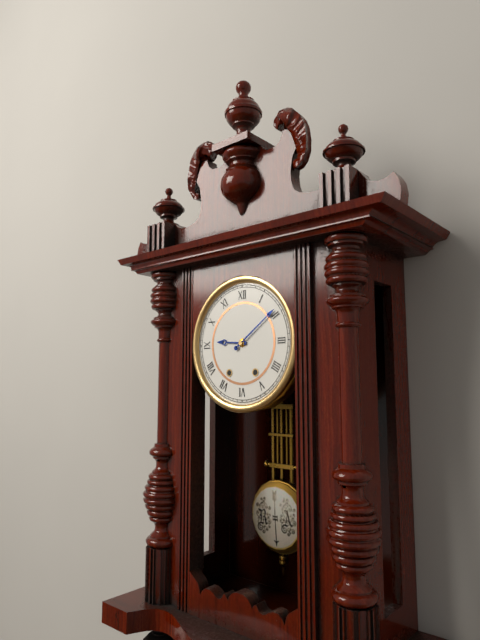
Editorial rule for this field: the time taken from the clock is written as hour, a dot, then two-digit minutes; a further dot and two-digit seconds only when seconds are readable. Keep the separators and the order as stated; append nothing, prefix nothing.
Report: 9.09
